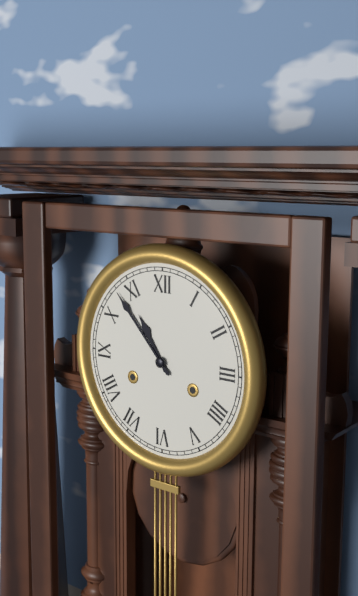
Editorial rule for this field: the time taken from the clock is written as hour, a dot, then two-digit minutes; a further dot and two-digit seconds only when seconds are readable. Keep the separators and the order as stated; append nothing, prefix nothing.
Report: 10.53
